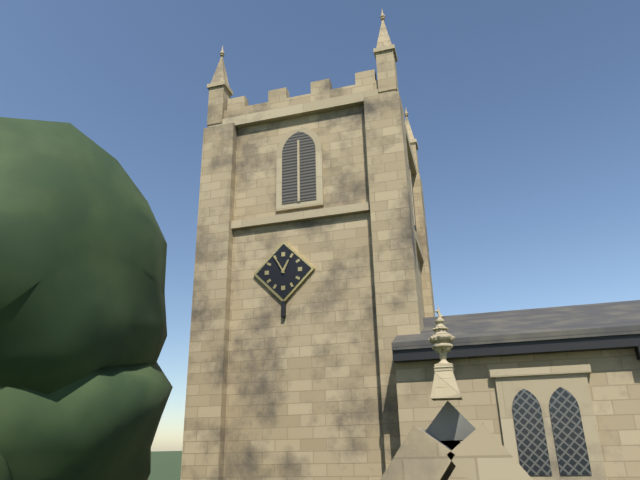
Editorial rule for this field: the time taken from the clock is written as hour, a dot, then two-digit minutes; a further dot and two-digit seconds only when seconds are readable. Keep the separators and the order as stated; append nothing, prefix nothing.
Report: 12.55
